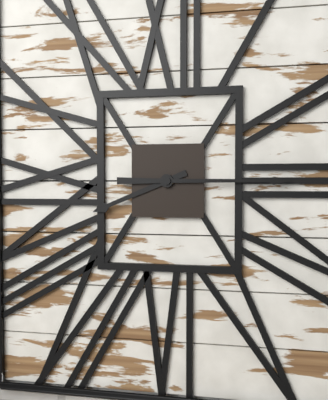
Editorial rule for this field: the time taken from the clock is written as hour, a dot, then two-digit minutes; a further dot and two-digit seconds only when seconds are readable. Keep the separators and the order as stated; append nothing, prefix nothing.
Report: 8.15
